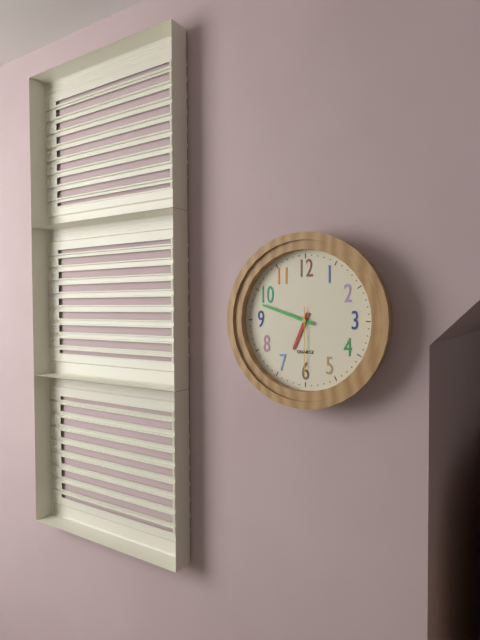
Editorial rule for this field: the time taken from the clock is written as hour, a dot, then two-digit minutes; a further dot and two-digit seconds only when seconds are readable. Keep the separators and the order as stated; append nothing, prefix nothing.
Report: 6.48.30
